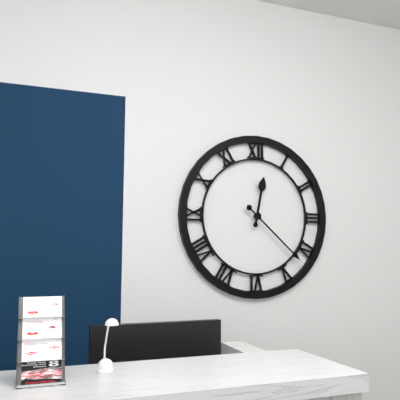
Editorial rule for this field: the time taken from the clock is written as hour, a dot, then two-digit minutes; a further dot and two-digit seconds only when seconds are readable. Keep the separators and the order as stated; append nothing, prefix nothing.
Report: 12.22
